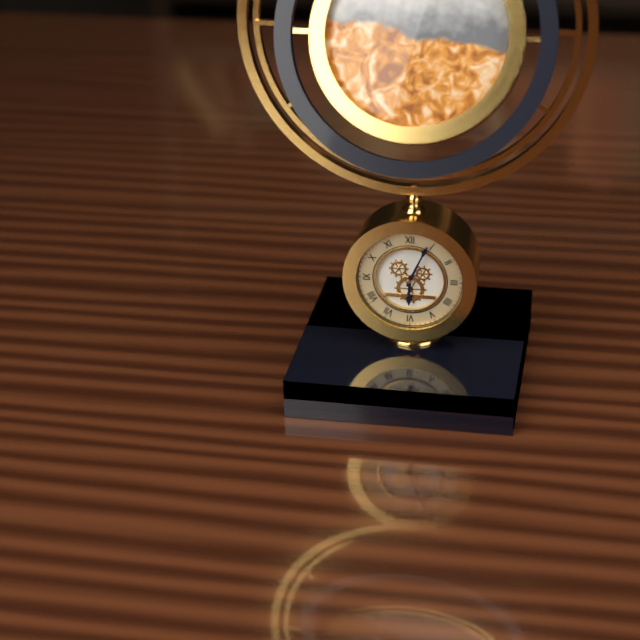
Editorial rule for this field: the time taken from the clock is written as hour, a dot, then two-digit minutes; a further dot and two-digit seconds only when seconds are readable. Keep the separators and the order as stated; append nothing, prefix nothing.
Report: 6.04
